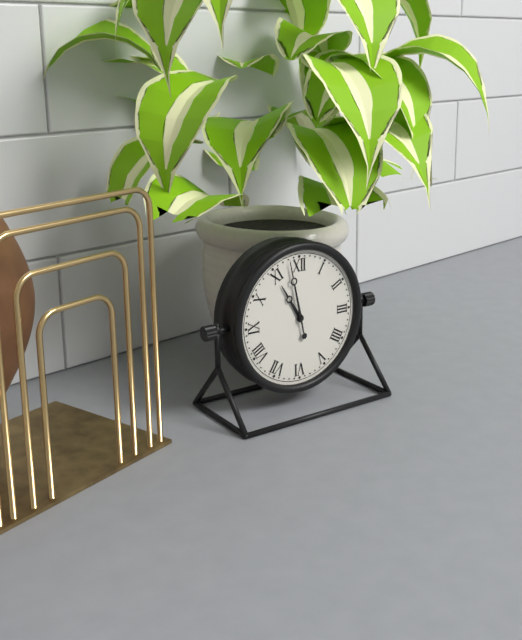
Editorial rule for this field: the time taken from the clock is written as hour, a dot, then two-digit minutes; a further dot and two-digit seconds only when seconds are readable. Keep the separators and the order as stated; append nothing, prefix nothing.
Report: 10.58
